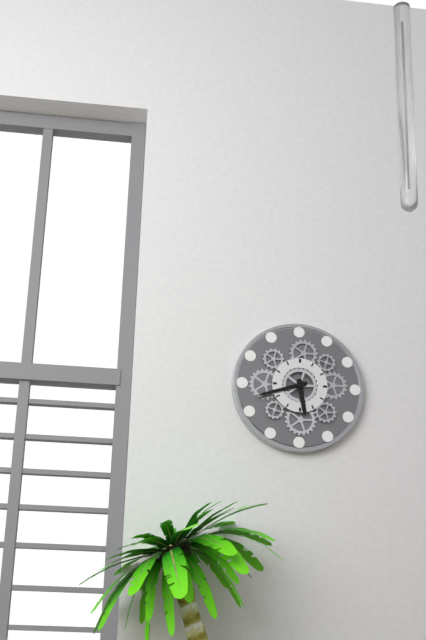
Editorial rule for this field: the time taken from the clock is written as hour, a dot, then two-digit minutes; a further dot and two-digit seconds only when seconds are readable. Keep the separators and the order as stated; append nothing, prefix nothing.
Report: 5.42
